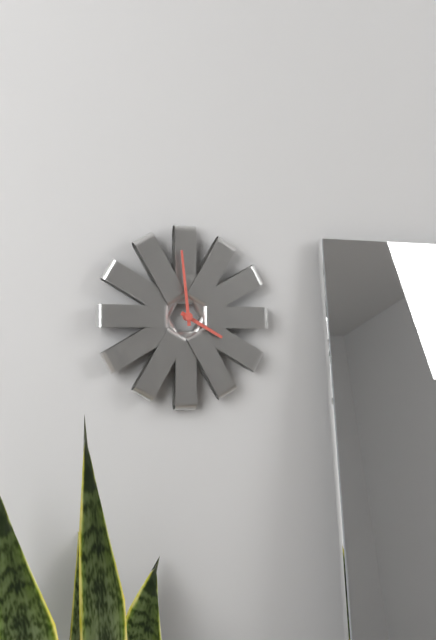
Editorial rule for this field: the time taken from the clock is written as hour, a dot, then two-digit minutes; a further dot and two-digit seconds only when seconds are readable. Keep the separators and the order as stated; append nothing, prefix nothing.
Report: 3.59
